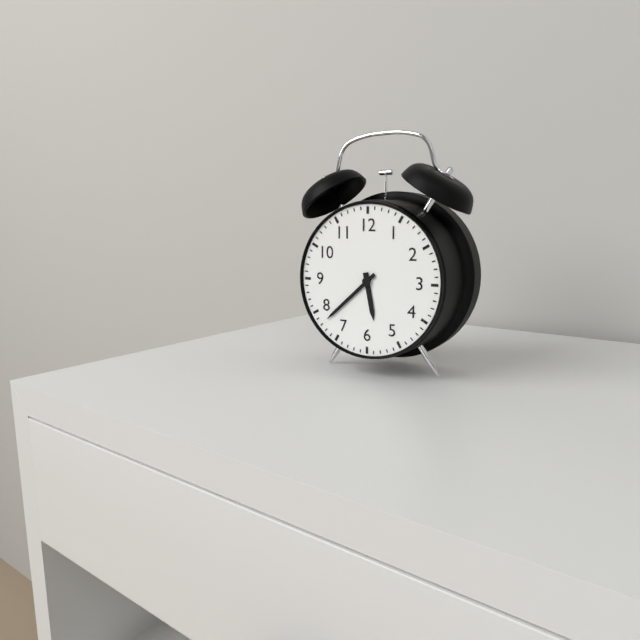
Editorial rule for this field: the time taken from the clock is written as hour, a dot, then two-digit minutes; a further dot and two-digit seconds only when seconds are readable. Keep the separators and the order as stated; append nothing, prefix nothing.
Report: 5.38
